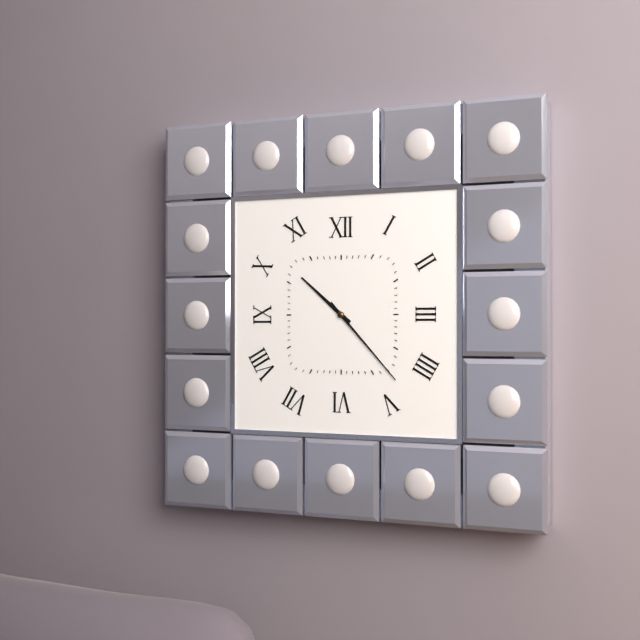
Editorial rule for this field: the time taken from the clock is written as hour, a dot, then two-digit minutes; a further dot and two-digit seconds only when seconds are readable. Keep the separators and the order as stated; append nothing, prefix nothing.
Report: 10.23
